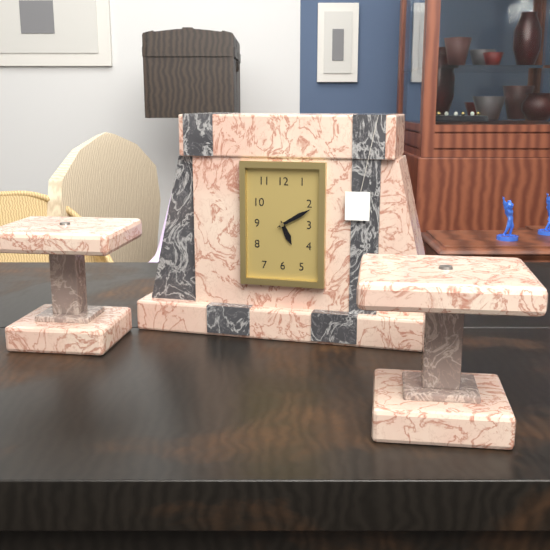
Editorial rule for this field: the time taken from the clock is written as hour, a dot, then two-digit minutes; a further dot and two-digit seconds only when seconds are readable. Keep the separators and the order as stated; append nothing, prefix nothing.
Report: 5.10
